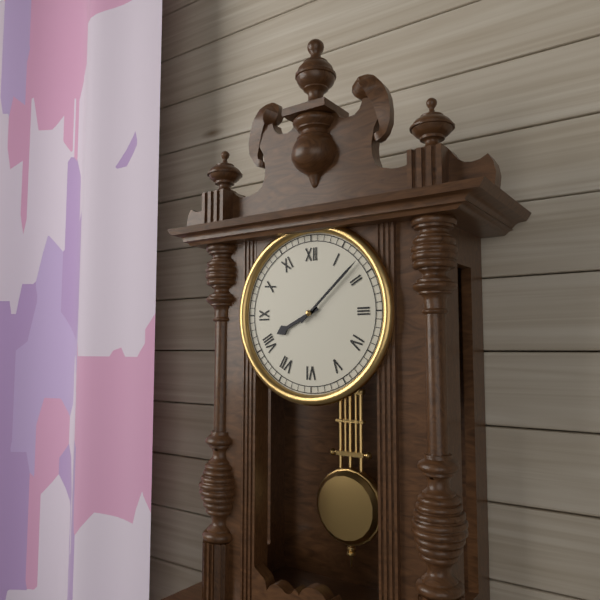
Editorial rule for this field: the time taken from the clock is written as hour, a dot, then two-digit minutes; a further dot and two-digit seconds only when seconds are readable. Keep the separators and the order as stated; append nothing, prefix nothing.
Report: 8.08
